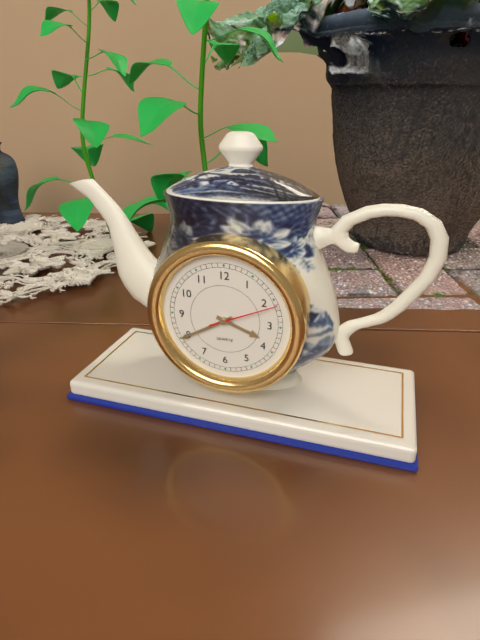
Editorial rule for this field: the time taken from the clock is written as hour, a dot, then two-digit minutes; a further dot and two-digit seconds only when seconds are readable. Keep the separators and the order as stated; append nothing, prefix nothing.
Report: 3.40.11
